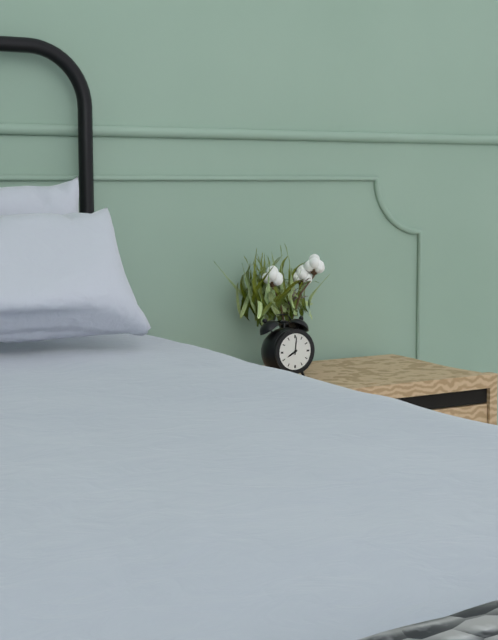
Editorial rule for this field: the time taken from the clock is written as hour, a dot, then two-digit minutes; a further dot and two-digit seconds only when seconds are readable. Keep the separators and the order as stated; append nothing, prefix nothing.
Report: 8.01
